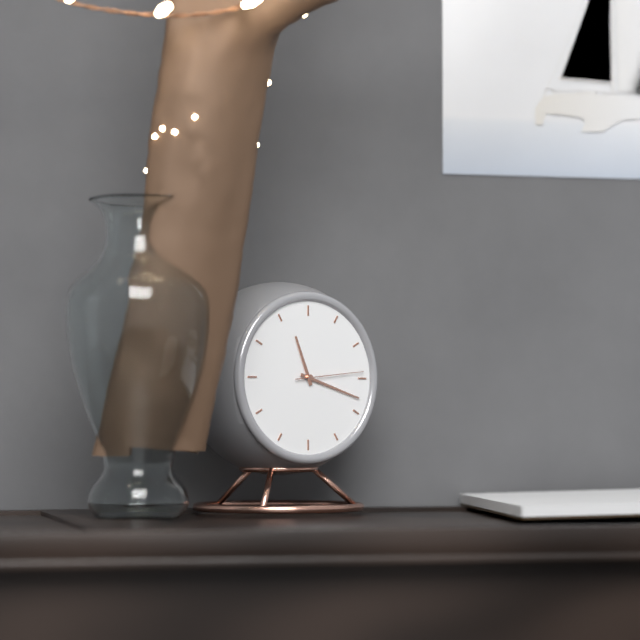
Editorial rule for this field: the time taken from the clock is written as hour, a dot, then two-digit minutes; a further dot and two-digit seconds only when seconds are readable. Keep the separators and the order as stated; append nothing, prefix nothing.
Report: 11.18.14
